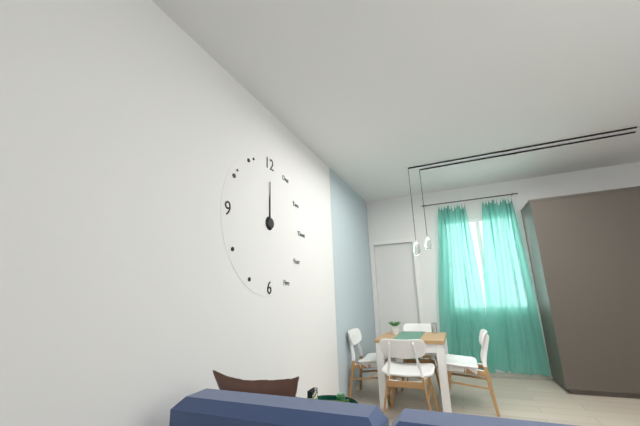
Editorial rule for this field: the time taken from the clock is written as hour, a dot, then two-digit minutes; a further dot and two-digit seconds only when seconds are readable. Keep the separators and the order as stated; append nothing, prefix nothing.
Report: 12.00
